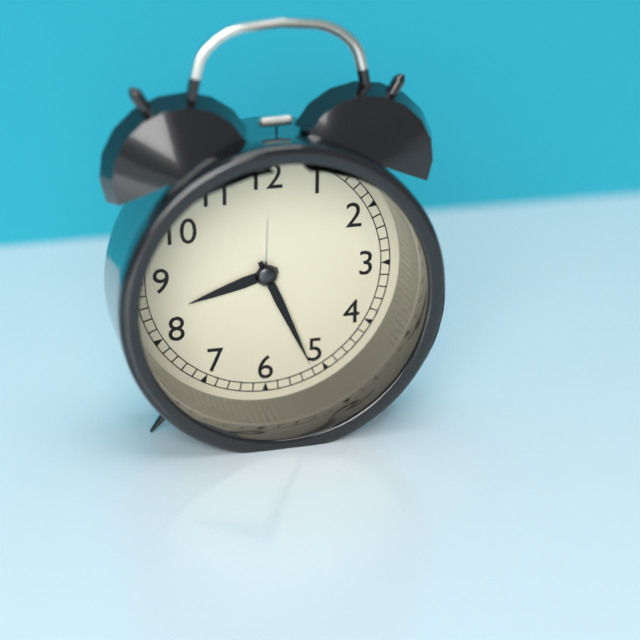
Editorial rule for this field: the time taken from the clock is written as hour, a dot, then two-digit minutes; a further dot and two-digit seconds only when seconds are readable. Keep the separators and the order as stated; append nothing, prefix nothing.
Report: 8.26
